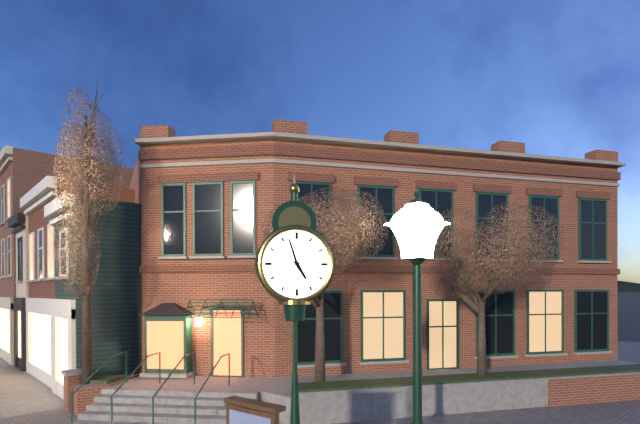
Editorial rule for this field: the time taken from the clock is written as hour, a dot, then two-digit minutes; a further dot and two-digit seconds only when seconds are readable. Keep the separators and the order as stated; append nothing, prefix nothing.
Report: 4.57
